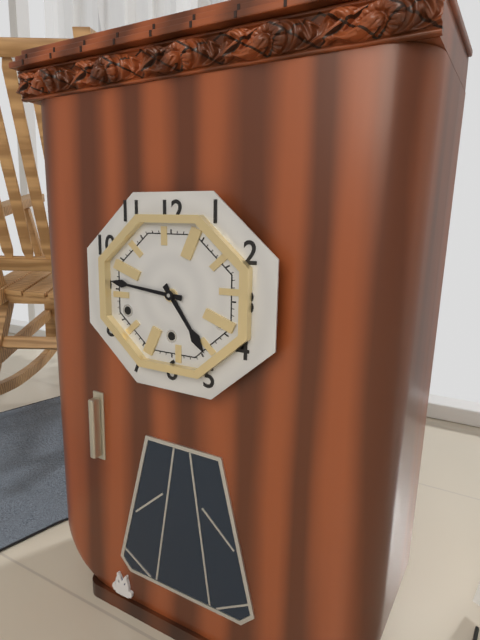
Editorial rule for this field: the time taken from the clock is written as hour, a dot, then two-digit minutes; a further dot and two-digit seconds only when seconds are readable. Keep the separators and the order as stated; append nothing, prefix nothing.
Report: 4.46
